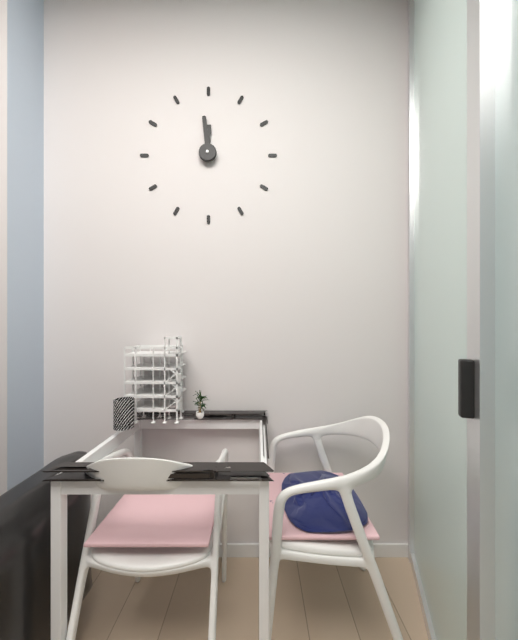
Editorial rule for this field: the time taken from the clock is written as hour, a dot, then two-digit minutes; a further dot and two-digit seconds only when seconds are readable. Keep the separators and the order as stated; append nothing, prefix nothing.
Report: 11.59
